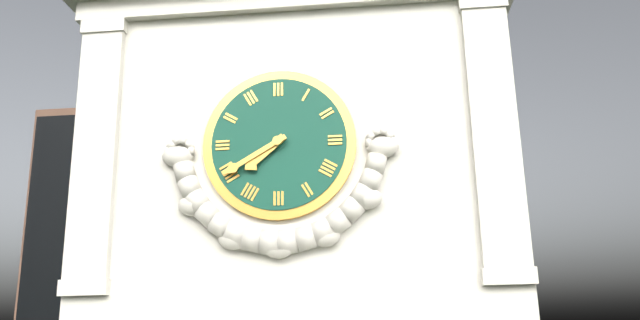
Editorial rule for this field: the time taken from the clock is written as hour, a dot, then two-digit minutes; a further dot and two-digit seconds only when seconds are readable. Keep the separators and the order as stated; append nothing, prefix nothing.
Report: 7.40
